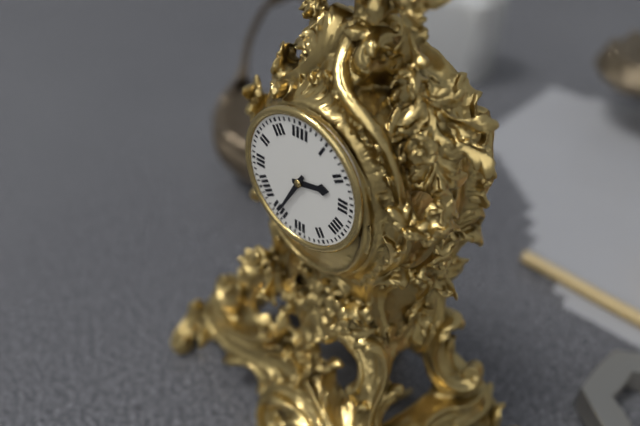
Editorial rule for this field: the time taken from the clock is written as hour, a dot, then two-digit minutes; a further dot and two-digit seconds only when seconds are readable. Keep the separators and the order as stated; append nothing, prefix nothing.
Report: 2.35
